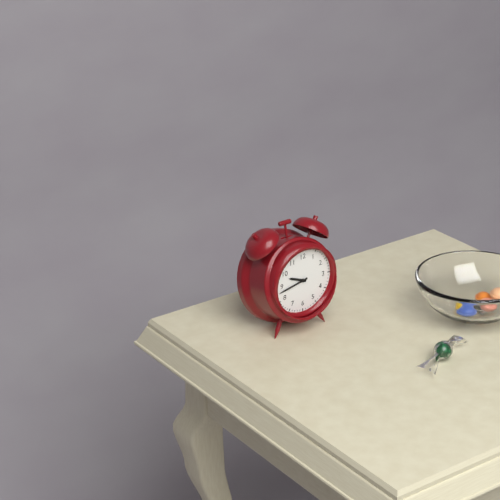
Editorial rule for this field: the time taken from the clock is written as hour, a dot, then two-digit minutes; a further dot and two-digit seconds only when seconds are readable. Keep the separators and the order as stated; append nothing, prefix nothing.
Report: 9.43
